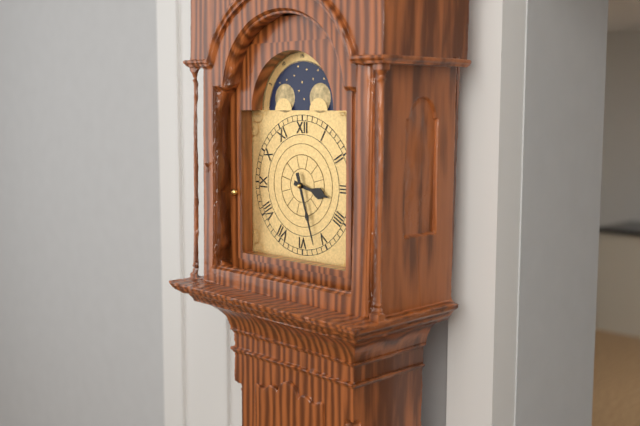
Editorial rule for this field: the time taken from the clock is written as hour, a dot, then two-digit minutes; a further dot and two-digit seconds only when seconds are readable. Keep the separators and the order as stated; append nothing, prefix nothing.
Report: 3.27
